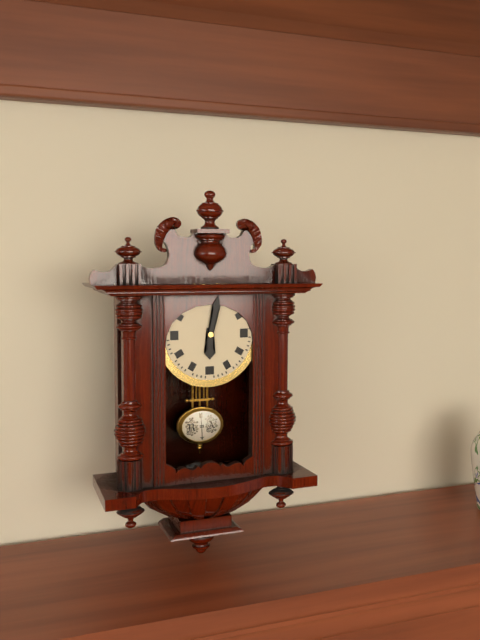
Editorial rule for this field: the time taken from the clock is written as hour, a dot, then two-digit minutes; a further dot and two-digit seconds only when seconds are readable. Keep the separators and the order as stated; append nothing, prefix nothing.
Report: 6.02
